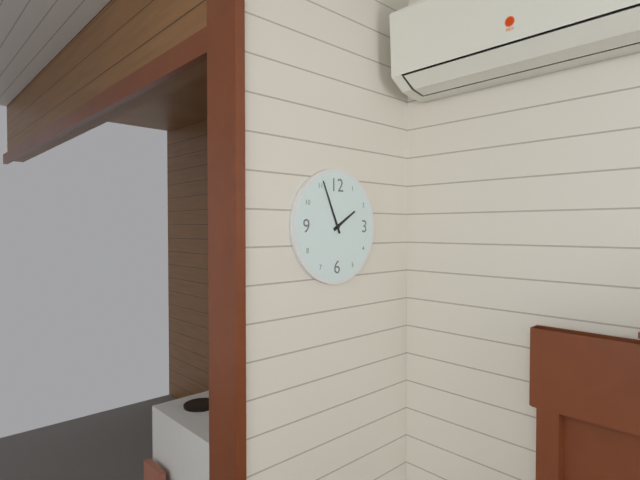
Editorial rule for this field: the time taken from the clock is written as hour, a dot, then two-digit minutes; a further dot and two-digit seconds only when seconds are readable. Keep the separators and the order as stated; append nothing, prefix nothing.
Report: 1.56
